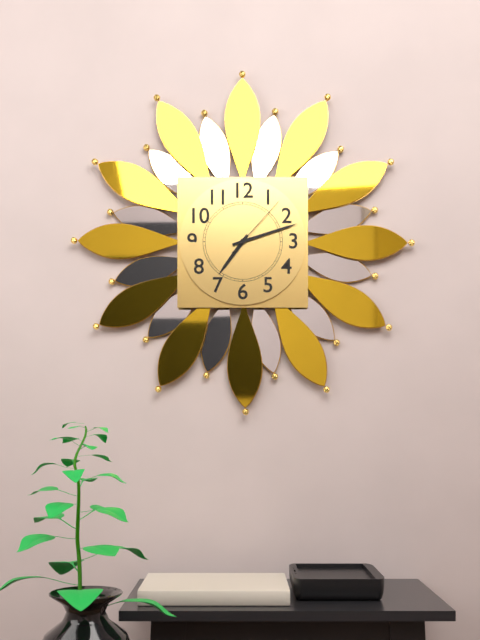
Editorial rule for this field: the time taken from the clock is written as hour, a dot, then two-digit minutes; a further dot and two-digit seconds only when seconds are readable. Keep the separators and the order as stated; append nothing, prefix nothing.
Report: 7.12.07
